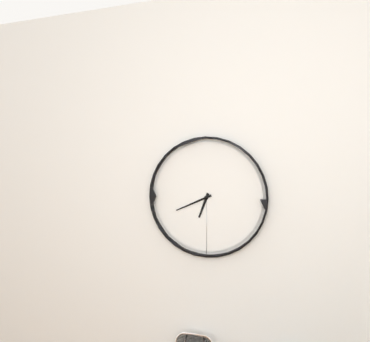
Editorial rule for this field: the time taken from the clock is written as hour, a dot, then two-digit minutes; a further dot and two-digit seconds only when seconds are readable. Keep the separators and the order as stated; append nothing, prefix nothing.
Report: 6.41
